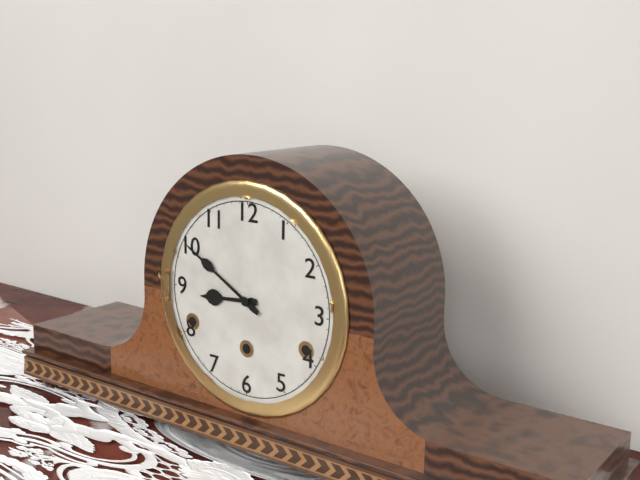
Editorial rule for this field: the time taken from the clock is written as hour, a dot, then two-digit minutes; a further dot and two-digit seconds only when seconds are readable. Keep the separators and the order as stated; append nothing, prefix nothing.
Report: 8.50
